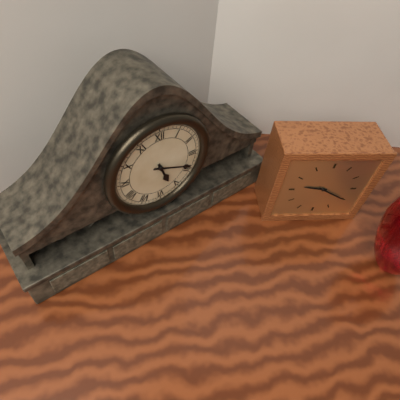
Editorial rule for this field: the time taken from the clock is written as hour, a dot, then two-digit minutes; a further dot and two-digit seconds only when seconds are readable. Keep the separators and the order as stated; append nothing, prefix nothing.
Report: 5.19
